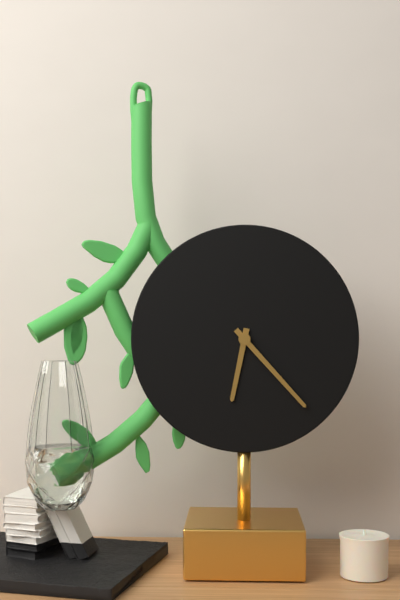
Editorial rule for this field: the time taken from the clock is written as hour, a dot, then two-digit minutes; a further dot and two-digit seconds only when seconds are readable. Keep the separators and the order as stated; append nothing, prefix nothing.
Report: 6.23
